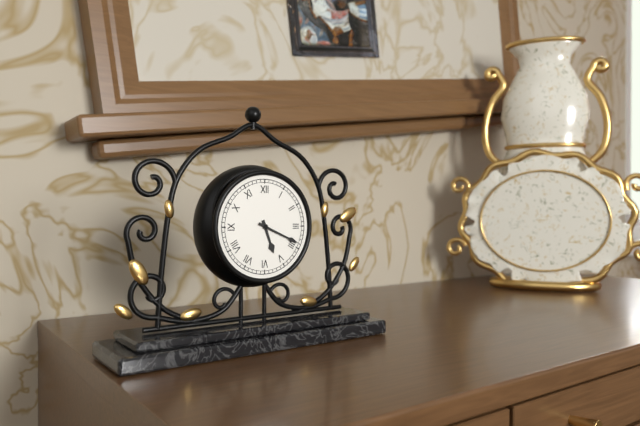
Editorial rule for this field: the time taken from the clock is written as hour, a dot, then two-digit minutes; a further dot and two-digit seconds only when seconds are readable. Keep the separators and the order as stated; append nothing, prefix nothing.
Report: 5.19
